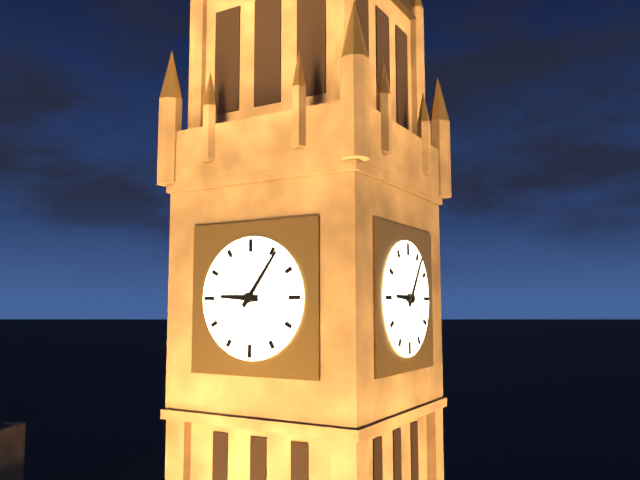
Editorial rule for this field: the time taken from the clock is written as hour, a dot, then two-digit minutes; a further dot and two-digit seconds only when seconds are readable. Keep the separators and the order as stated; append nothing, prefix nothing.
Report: 9.06
